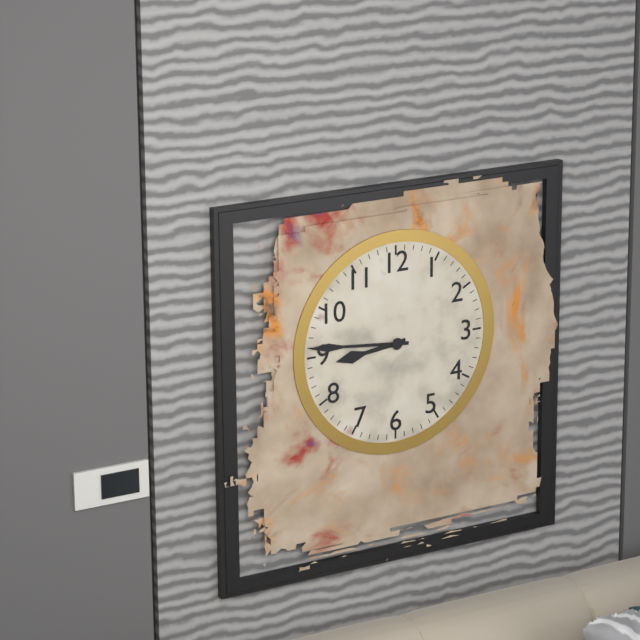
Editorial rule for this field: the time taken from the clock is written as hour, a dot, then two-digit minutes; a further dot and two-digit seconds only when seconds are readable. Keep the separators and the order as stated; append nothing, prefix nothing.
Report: 8.46
